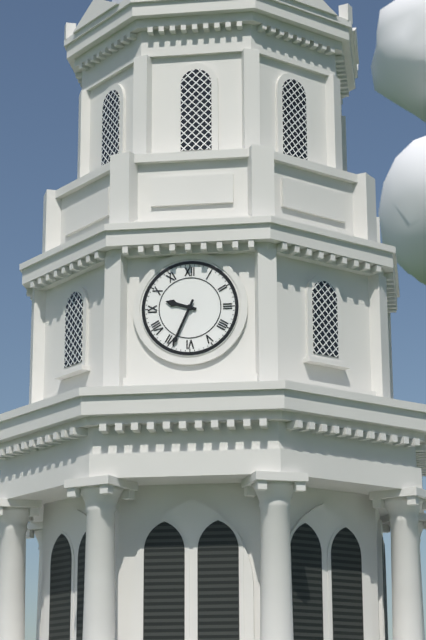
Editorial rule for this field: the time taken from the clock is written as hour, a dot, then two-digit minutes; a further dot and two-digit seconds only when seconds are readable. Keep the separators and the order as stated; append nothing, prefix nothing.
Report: 9.34
